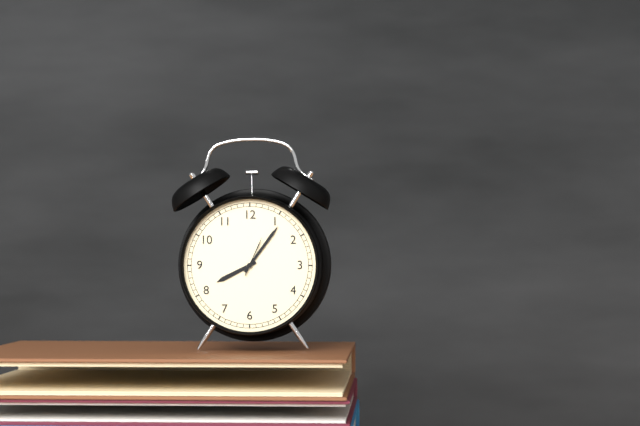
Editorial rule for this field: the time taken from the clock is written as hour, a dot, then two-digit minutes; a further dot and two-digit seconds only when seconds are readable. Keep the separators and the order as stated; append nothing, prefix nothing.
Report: 8.06
